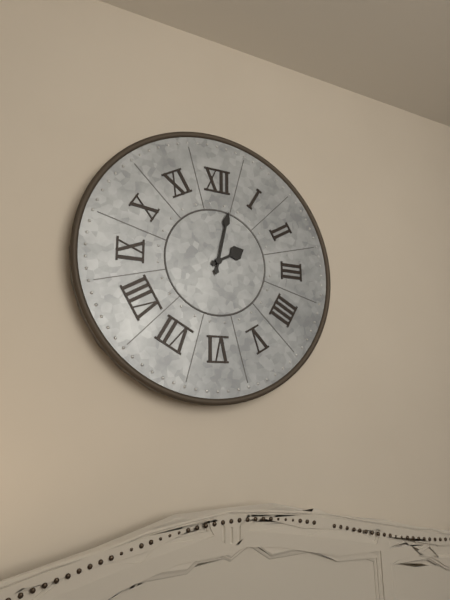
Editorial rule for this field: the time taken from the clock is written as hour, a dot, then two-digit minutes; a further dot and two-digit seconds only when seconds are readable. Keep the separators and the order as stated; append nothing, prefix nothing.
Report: 2.02
